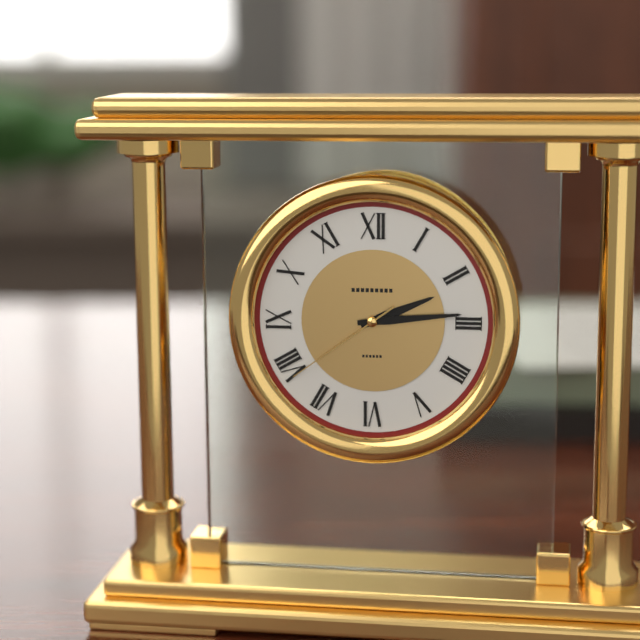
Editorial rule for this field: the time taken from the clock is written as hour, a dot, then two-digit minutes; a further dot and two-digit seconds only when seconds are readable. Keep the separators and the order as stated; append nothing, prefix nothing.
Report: 2.14.39
